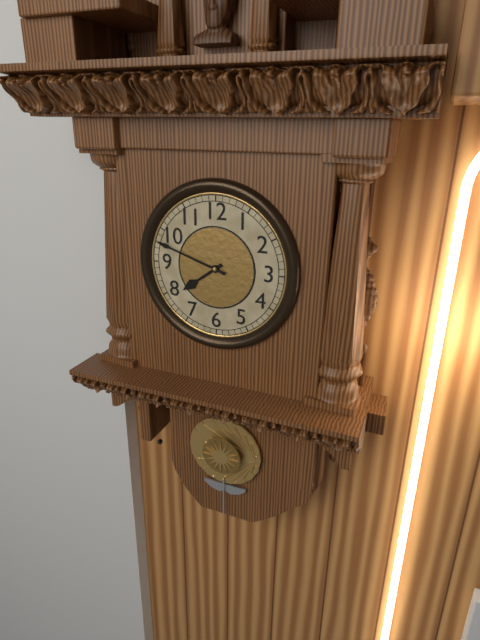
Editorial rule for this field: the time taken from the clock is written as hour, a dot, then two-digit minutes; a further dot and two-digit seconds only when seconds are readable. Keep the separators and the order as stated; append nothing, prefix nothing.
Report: 7.48
